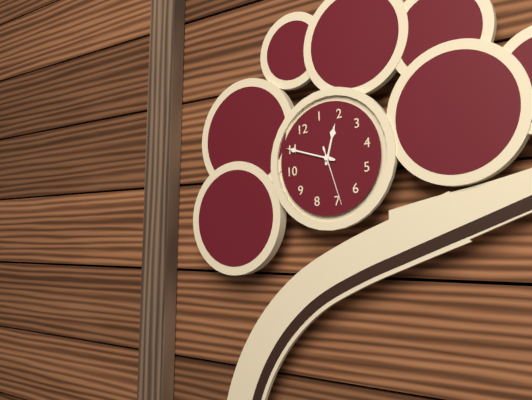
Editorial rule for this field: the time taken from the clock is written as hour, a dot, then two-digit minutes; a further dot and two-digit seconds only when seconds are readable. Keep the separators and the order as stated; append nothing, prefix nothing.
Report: 1.55.34
